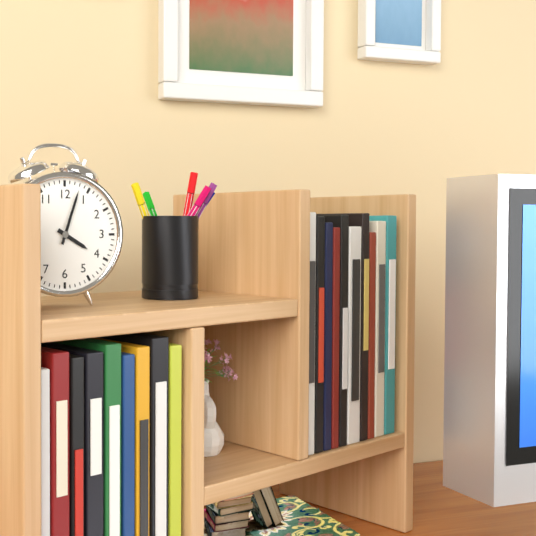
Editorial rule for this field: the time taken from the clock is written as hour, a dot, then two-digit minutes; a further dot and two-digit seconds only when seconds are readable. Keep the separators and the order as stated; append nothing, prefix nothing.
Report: 4.03
